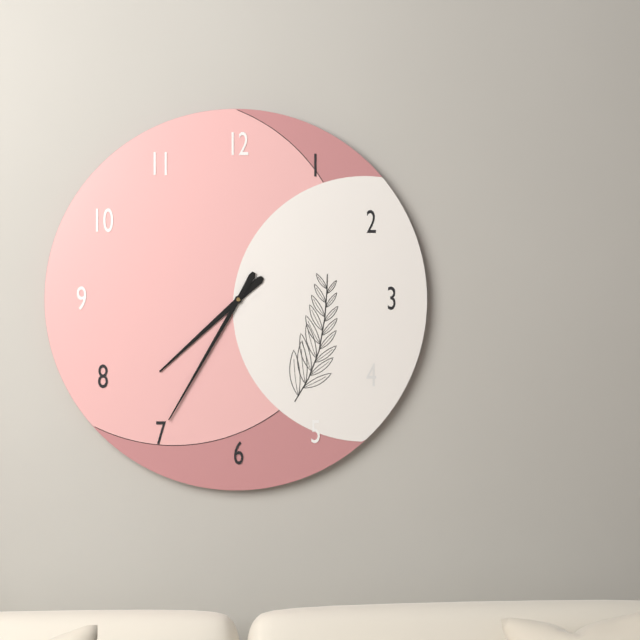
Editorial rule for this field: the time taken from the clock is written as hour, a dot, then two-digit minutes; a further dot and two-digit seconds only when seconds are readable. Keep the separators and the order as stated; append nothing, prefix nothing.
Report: 7.35
